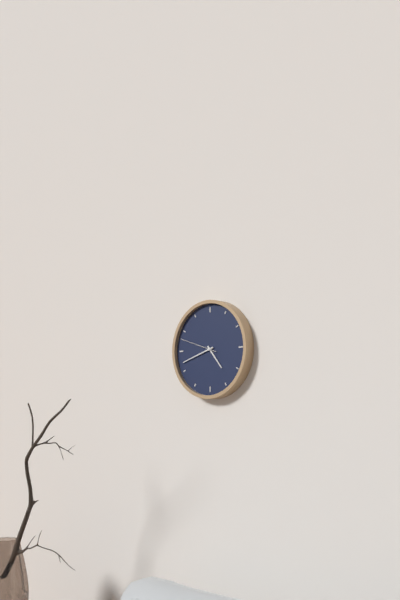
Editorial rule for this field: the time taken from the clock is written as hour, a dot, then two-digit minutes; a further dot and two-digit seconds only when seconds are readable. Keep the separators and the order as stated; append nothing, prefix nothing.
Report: 4.42
